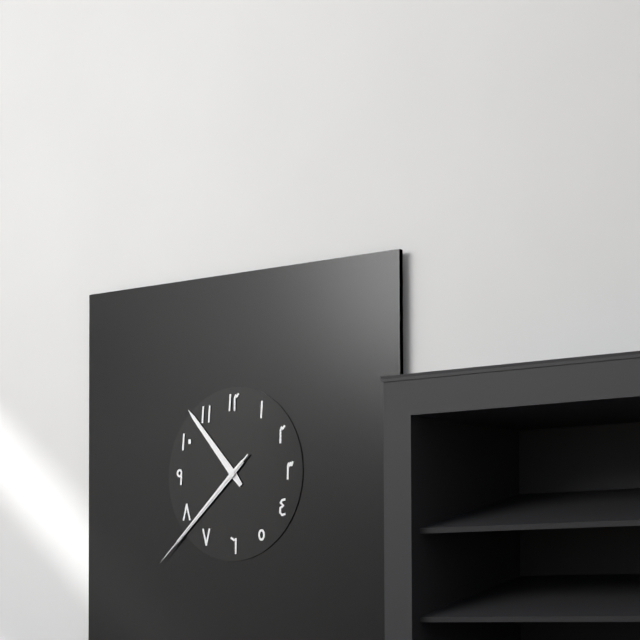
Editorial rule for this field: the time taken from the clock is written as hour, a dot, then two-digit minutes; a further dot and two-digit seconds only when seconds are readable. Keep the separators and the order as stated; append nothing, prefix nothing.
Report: 10.38.38
